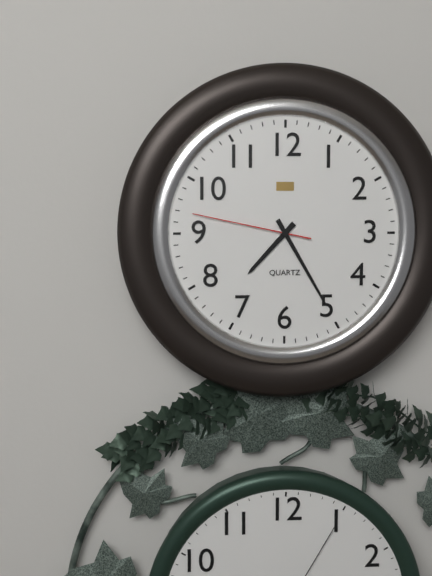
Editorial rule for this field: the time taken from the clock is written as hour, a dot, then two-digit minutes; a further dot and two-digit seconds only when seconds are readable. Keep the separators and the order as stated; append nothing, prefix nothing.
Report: 7.25.47
